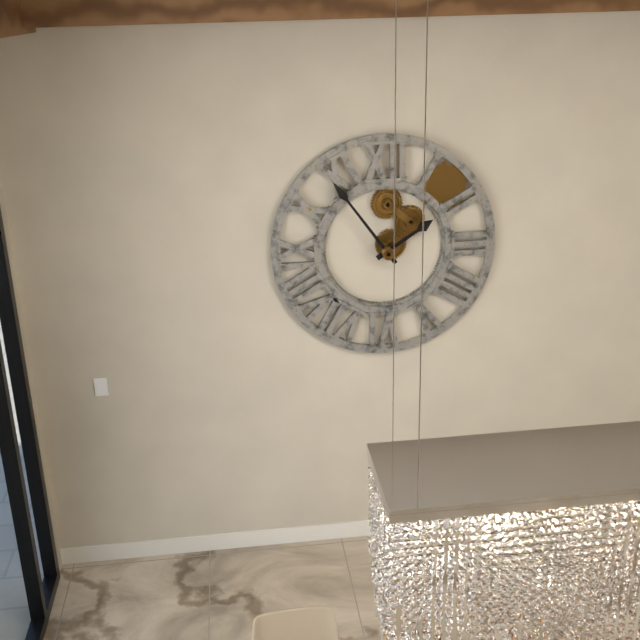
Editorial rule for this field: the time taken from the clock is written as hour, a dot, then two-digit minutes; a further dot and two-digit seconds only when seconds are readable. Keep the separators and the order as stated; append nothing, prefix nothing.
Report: 1.54
